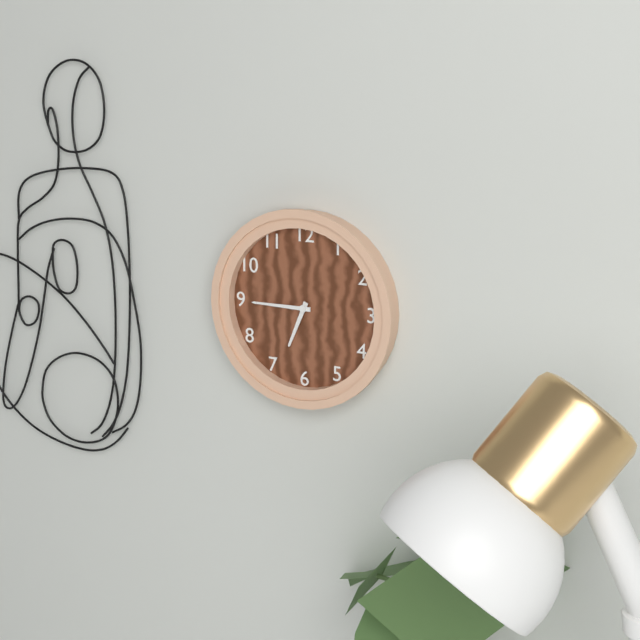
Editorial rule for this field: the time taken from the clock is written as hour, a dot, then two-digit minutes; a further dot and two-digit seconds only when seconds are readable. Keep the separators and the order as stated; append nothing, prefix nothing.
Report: 6.45
